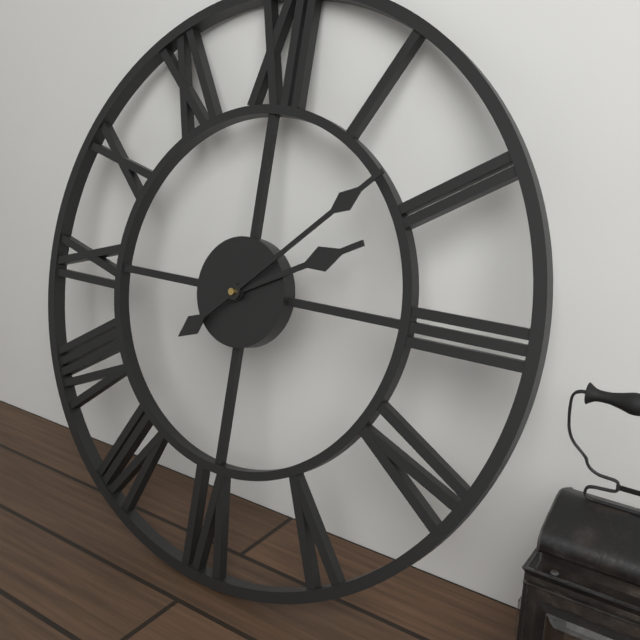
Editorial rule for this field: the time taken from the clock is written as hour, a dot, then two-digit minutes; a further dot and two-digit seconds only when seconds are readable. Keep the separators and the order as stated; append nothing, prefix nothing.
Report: 2.08
